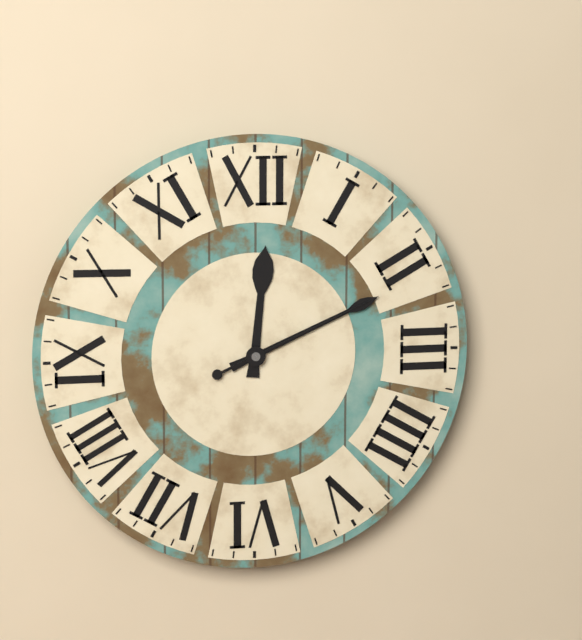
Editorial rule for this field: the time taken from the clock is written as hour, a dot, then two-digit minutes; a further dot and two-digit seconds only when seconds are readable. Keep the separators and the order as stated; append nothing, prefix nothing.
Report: 12.11.11
